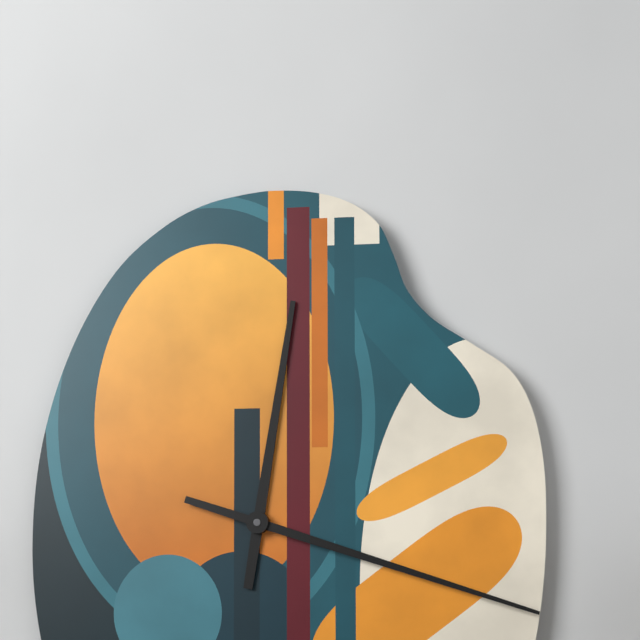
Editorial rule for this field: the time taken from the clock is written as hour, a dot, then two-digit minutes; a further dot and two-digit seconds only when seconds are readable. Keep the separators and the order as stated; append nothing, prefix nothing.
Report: 12.18
